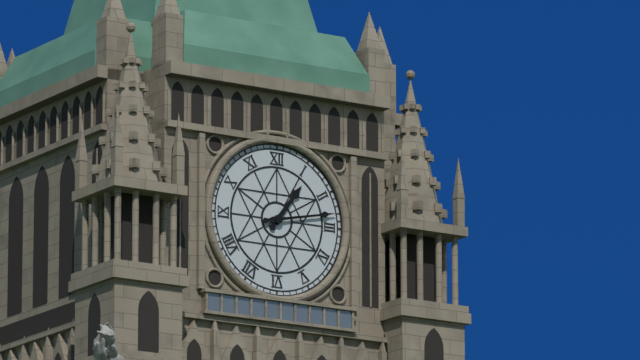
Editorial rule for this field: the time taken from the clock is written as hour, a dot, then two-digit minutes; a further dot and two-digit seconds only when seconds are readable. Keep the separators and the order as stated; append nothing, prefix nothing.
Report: 1.13
